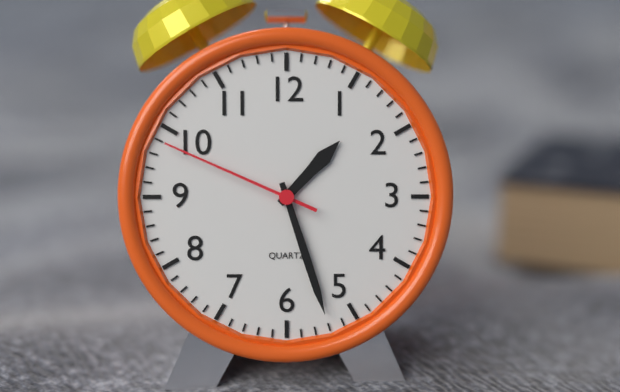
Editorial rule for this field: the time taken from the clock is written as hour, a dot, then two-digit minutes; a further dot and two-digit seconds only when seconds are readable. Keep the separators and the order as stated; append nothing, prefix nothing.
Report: 1.27.49
